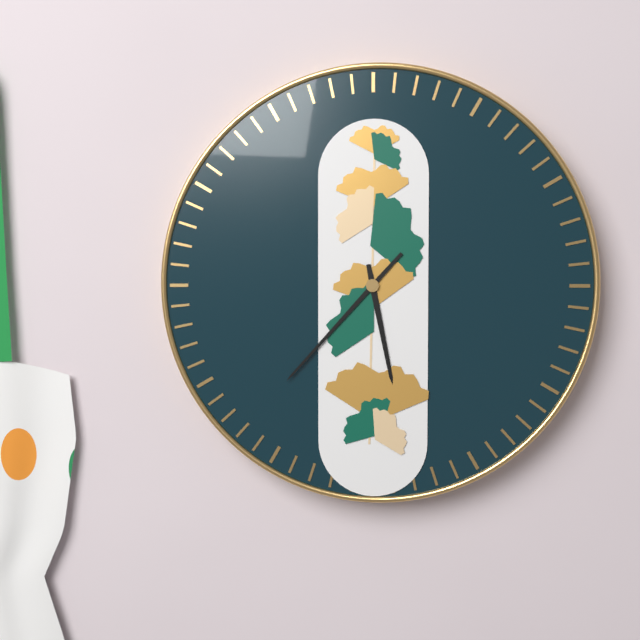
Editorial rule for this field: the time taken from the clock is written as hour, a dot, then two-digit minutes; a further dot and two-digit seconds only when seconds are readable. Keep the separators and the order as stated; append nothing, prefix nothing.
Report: 5.37
